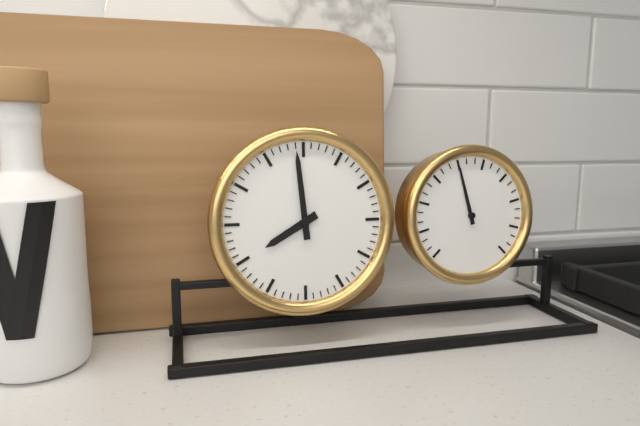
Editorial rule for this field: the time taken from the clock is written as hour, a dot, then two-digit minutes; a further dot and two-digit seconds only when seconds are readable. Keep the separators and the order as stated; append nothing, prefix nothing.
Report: 7.59
